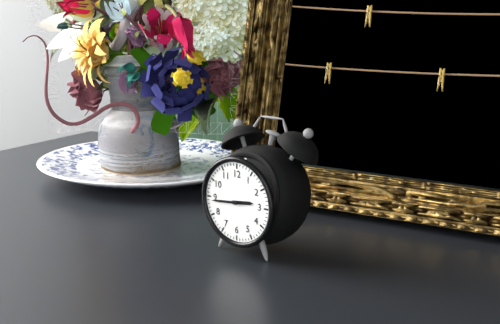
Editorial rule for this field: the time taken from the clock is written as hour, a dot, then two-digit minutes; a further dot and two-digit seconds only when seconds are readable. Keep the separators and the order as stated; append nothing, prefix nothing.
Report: 2.44
